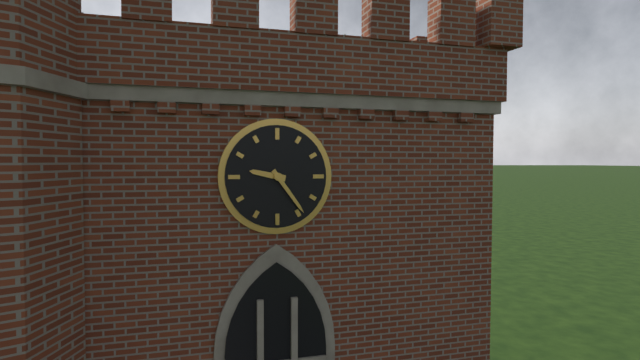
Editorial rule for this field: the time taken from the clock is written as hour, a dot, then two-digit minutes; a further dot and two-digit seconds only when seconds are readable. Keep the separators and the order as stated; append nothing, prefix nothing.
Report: 9.24
